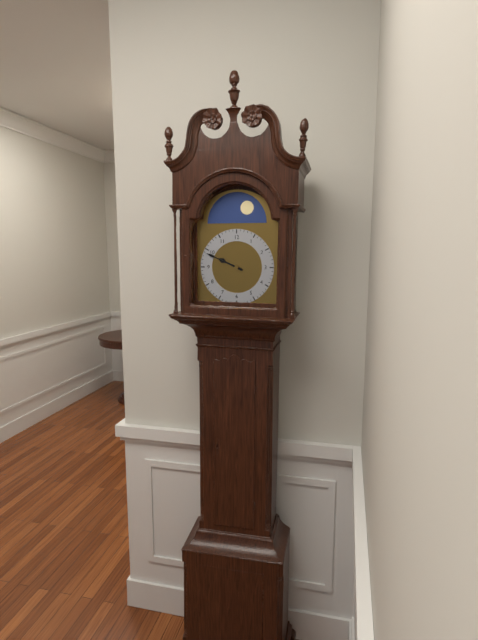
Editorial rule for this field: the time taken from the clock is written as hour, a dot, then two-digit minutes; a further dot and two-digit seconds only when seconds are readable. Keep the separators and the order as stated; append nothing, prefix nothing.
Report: 9.49
